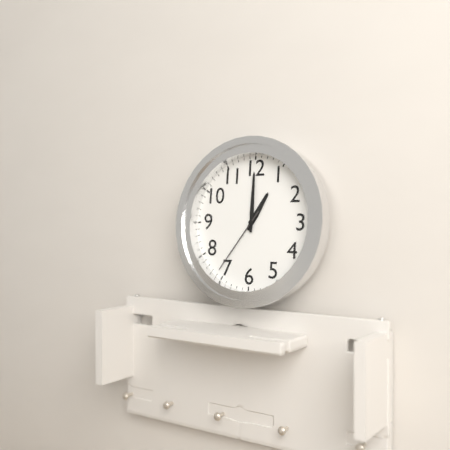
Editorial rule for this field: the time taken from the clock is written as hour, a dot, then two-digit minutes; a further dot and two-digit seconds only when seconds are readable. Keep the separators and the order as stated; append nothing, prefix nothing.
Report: 1.00.36
